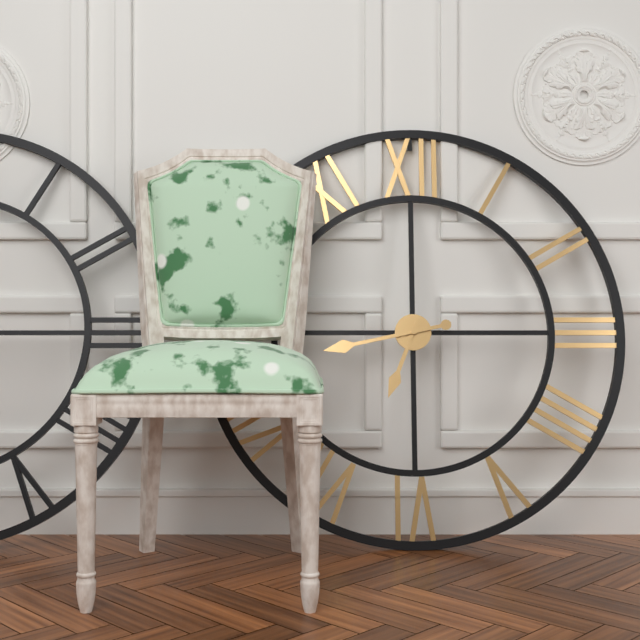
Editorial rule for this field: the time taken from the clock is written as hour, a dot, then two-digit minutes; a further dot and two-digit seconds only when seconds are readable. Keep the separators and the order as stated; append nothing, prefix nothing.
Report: 6.43
